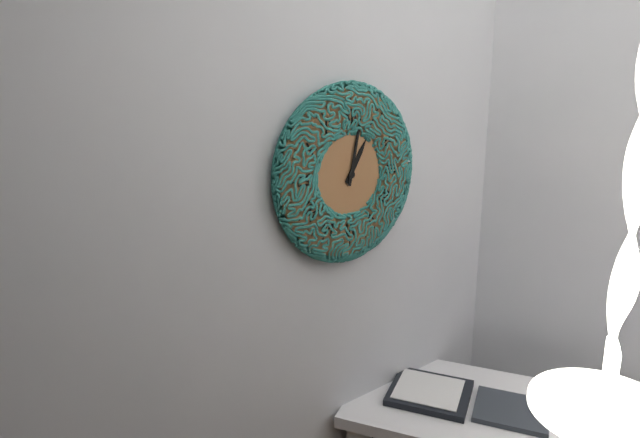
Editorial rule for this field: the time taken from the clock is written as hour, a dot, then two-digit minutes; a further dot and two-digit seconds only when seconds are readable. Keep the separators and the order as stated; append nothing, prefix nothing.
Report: 1.02
